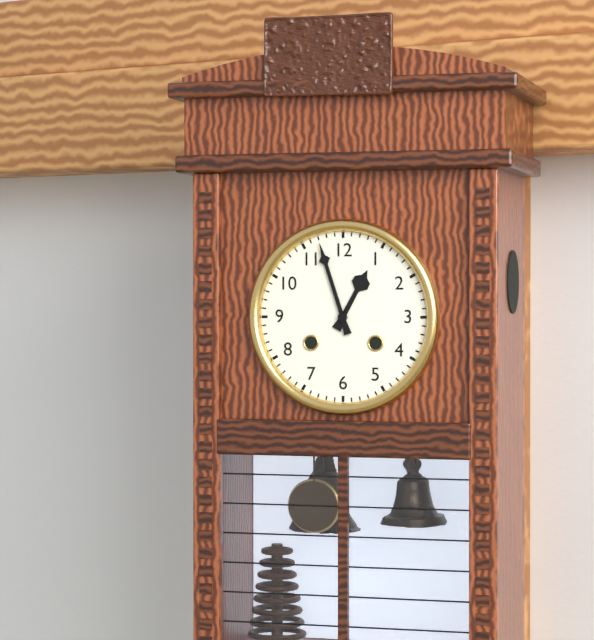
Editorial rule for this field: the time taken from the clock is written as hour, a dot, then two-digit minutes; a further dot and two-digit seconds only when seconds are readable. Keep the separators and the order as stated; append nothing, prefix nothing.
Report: 12.57
